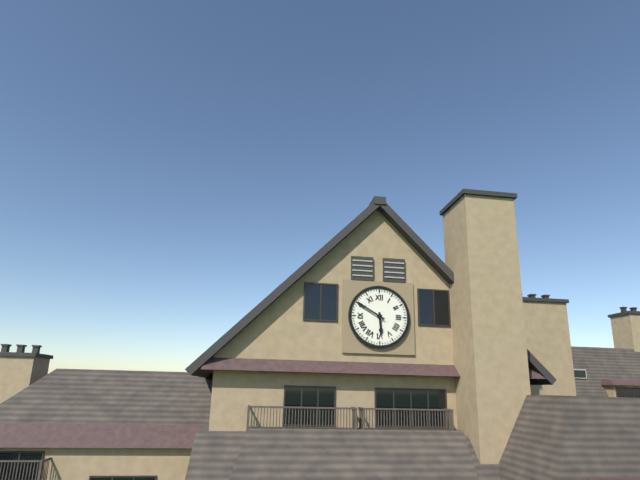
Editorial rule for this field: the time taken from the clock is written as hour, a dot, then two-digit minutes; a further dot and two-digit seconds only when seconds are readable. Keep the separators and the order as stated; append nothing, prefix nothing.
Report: 5.50
